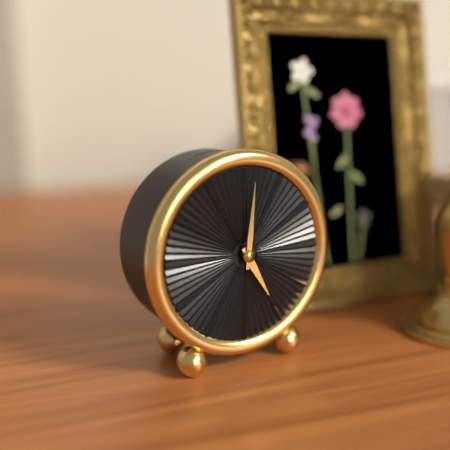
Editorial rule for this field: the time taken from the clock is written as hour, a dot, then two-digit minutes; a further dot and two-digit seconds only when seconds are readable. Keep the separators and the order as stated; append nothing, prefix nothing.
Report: 5.01
